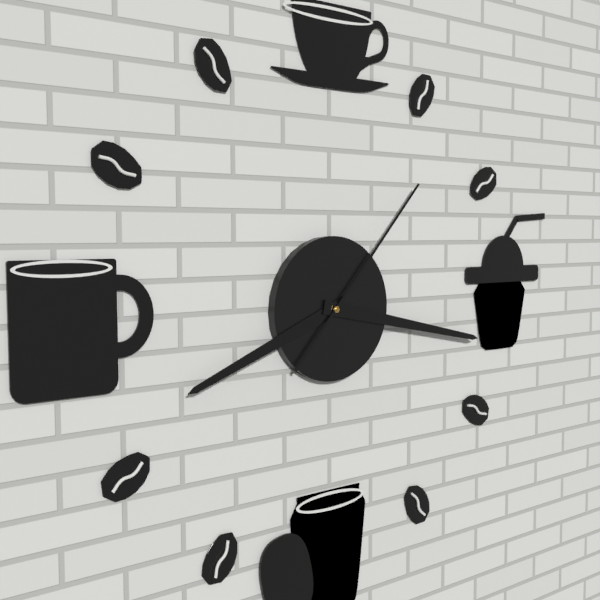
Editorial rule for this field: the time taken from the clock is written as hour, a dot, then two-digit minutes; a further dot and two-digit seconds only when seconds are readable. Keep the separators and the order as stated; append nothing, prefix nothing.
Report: 8.17.07
